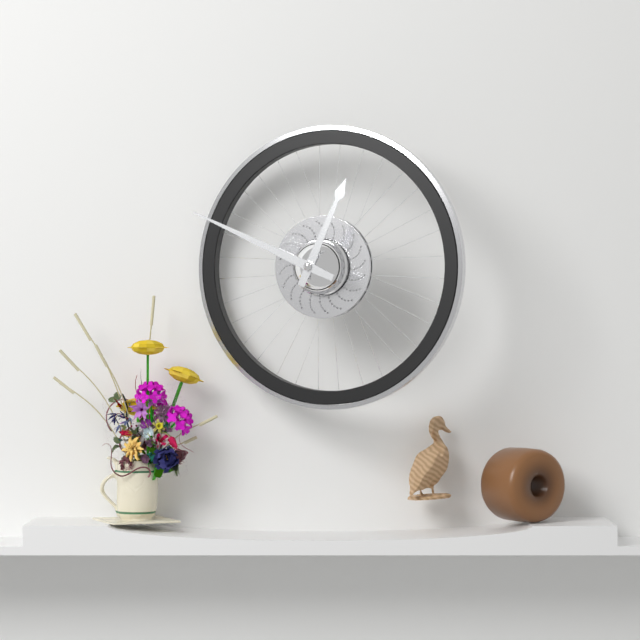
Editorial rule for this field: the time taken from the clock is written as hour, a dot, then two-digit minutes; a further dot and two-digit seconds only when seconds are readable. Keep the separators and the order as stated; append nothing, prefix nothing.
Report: 12.49
